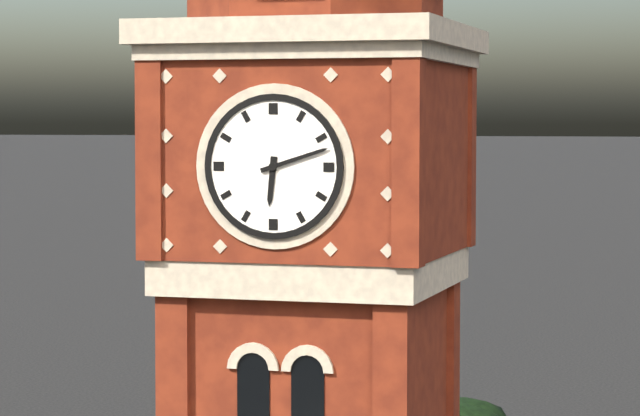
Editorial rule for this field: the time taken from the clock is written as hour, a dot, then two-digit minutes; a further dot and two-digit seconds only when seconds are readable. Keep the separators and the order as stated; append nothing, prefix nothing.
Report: 6.12
